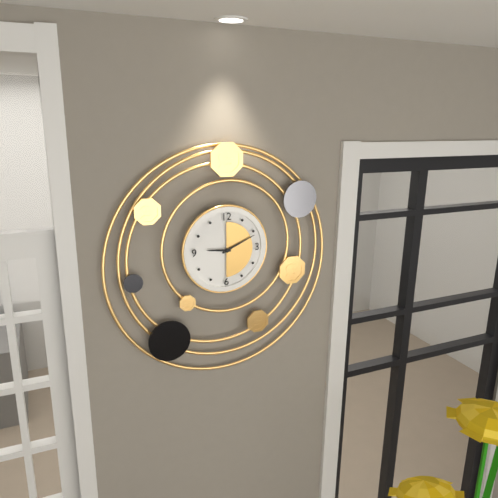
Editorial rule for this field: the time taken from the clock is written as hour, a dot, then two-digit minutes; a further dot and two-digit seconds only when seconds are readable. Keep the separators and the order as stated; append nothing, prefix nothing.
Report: 9.11
